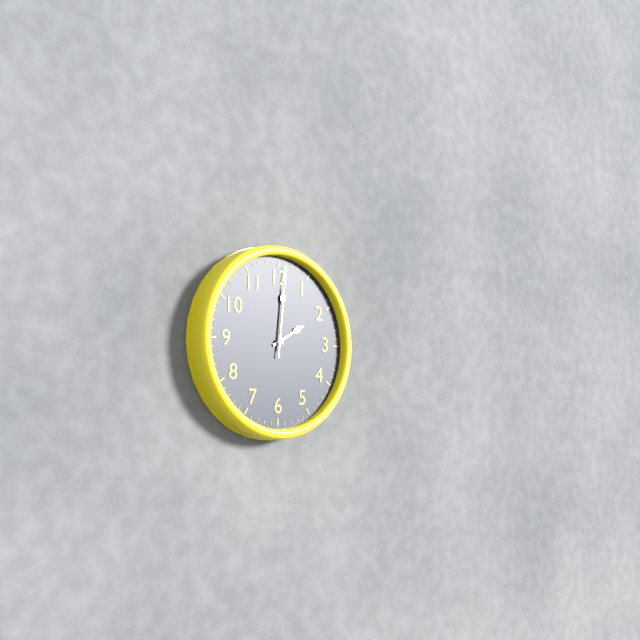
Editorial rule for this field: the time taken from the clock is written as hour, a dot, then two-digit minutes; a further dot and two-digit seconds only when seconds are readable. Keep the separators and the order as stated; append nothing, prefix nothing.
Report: 2.01.01
